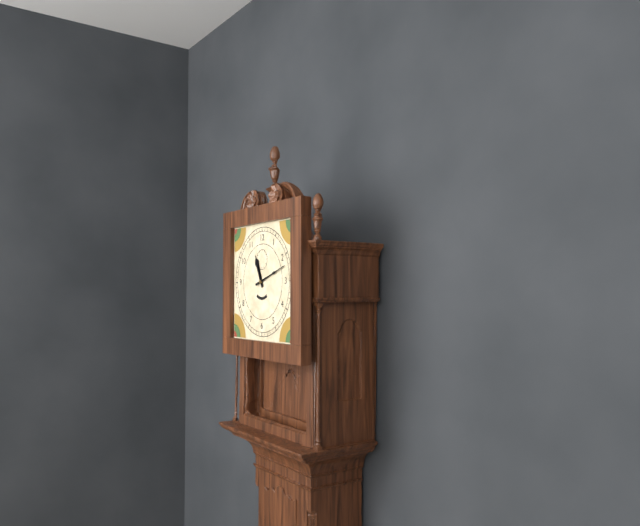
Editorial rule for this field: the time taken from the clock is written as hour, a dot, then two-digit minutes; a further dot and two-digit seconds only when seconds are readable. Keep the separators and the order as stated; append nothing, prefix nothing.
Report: 11.12
